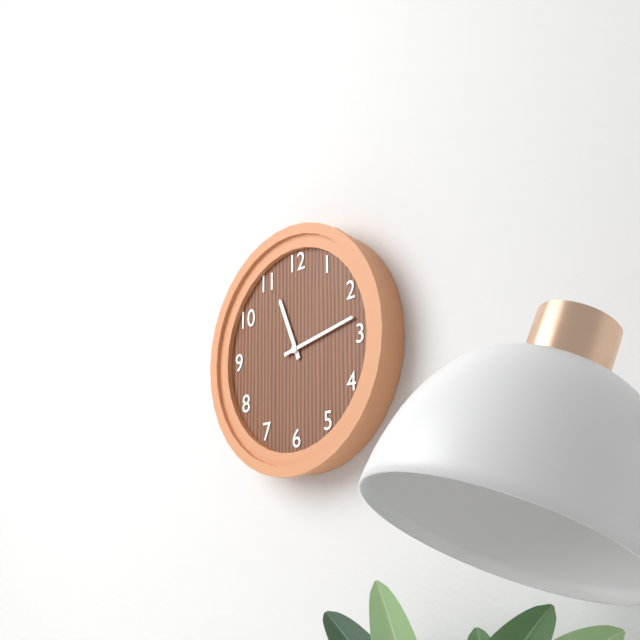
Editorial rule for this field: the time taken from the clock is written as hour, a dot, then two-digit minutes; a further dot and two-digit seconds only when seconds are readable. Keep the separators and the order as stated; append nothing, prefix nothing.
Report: 11.13
